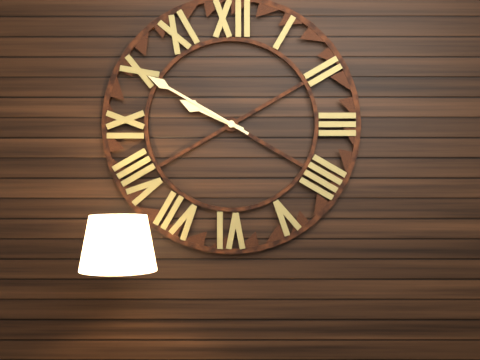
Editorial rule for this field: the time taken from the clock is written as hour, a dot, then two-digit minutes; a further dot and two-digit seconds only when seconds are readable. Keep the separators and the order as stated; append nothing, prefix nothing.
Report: 9.50
